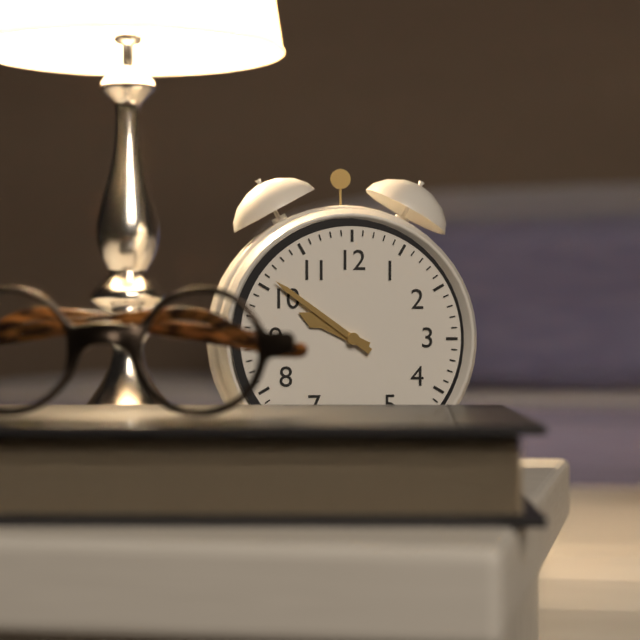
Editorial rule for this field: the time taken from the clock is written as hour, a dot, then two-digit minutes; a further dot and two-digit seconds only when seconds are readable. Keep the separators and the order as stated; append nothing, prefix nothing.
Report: 9.51
